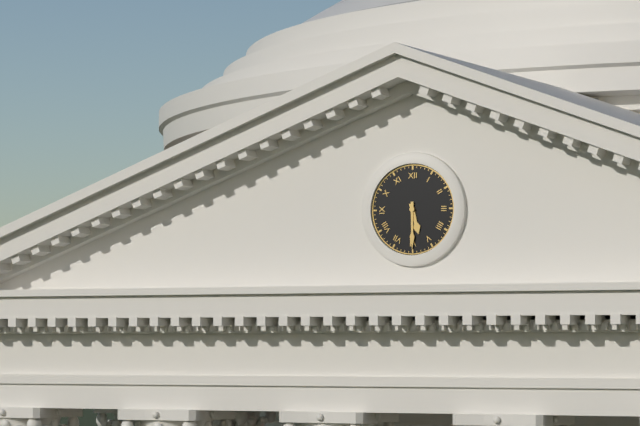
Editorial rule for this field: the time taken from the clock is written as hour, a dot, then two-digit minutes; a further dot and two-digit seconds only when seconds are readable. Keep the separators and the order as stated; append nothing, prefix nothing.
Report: 5.30
